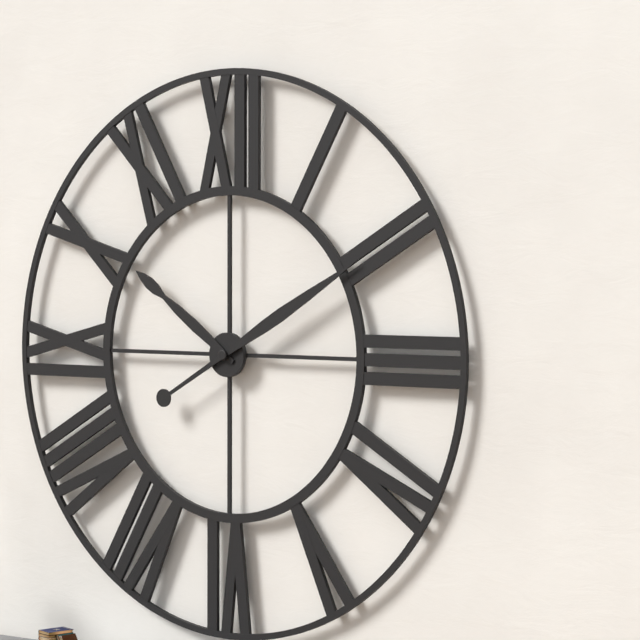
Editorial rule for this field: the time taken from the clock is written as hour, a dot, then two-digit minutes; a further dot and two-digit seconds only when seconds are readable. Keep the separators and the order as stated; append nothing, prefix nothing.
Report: 10.10
